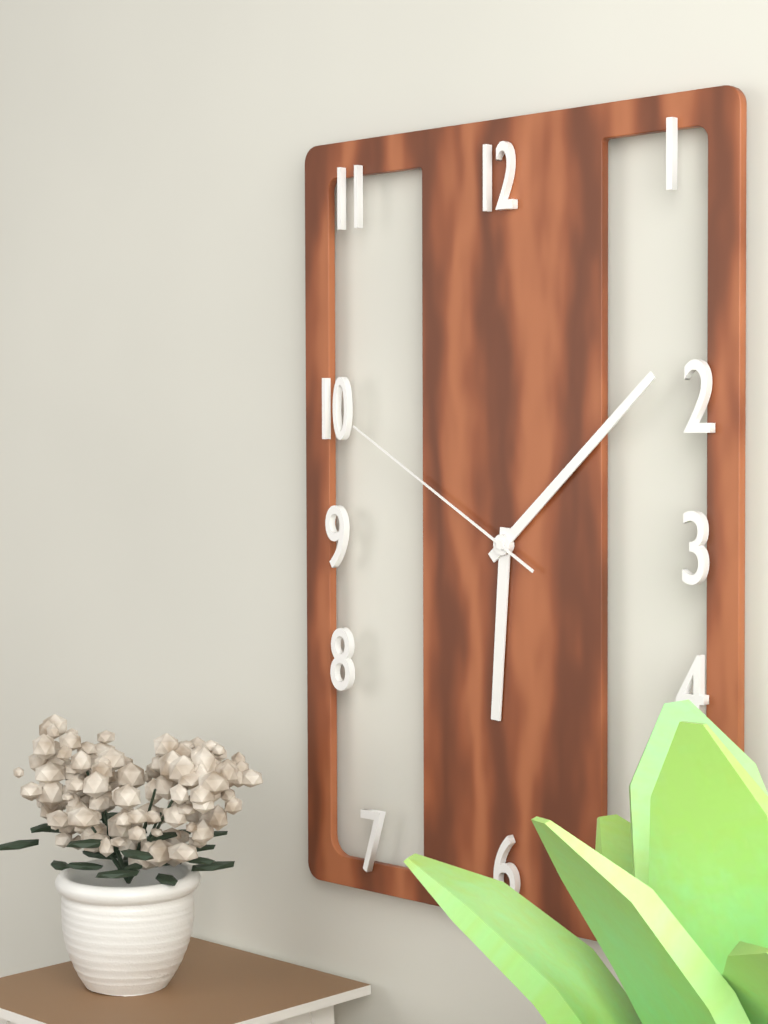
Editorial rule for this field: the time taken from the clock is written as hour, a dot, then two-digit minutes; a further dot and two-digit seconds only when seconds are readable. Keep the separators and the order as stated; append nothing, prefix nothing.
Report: 6.08.50
